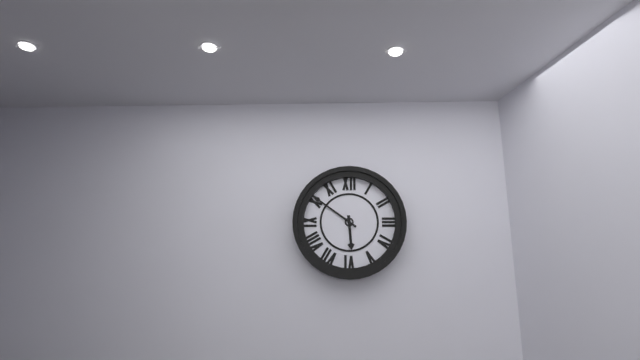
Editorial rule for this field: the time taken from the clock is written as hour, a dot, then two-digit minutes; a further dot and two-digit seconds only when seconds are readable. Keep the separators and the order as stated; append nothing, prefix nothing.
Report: 5.51
